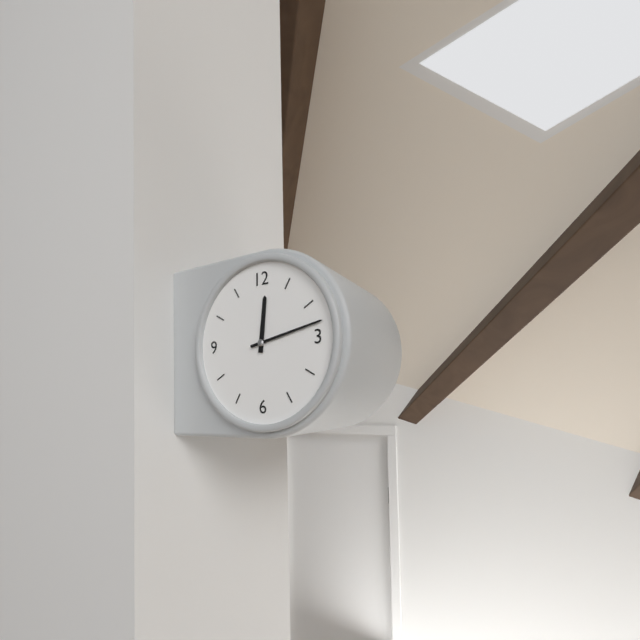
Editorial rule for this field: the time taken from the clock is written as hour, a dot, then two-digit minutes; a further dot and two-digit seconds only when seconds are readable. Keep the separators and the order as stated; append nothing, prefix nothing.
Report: 12.13
